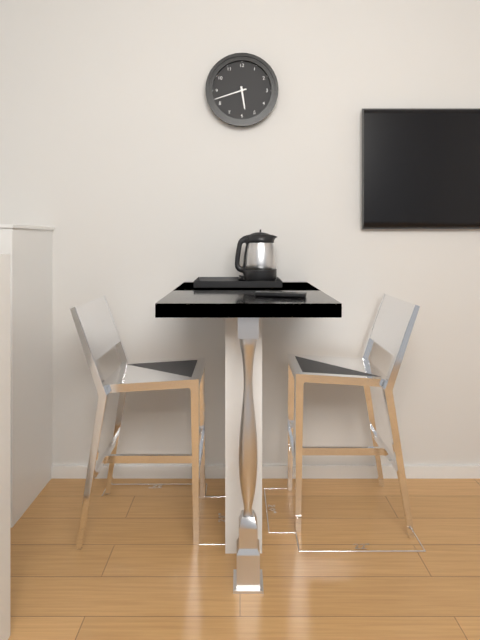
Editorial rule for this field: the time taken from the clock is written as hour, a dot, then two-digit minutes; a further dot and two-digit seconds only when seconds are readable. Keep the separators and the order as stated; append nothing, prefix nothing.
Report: 5.42
